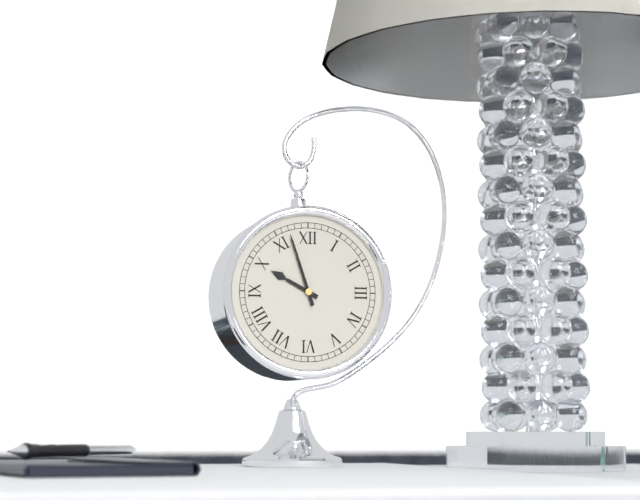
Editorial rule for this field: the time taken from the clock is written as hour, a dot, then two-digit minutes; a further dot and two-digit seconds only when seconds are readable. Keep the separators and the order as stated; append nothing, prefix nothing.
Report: 9.57
